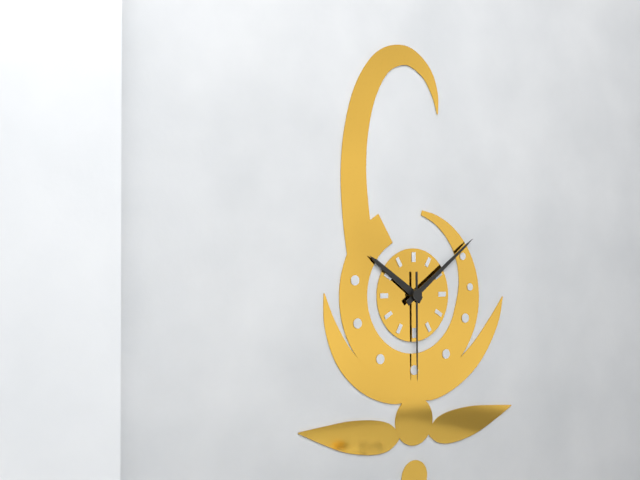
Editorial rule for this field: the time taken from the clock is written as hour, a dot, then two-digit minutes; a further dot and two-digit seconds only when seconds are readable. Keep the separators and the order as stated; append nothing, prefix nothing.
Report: 10.09.30
